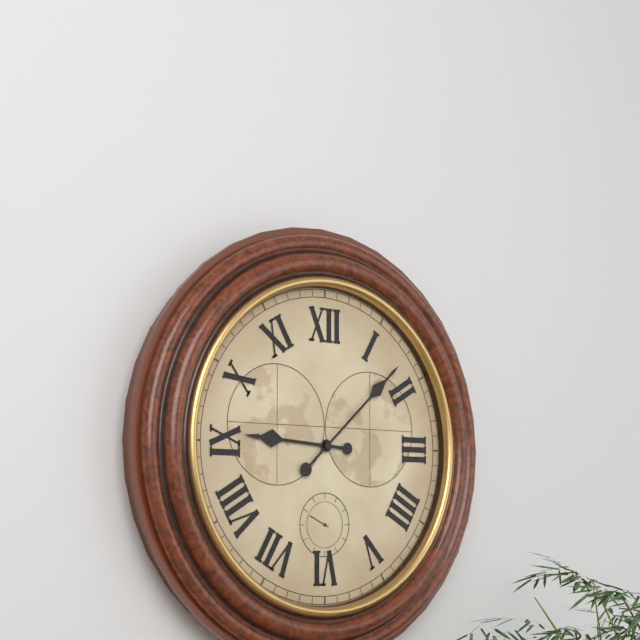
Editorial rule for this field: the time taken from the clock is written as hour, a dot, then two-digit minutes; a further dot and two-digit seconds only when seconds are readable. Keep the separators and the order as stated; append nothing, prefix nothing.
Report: 9.08
